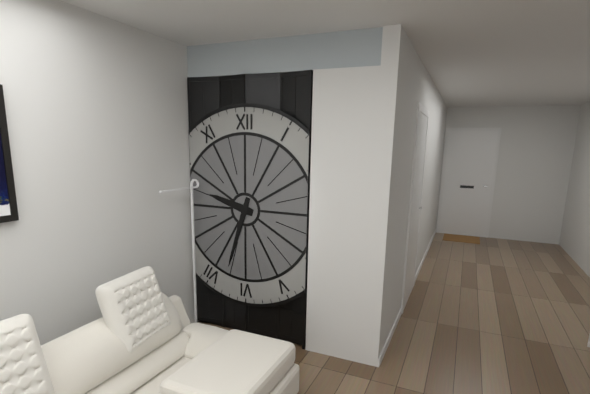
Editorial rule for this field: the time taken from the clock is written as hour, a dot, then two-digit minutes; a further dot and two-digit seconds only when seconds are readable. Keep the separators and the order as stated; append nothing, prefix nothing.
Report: 9.33
